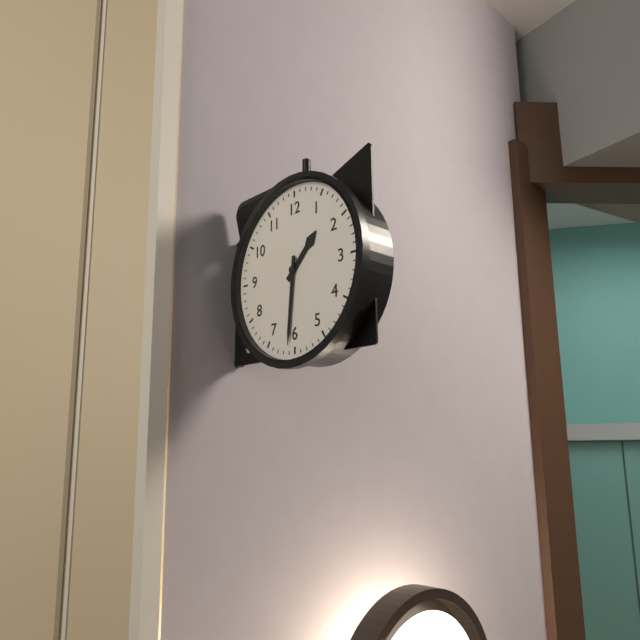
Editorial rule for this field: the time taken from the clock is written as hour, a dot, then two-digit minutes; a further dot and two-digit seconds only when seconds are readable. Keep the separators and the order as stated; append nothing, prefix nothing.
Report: 1.31
